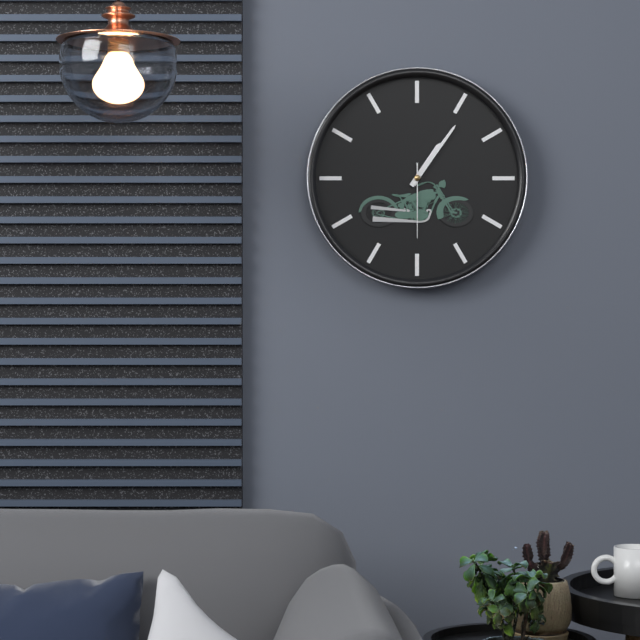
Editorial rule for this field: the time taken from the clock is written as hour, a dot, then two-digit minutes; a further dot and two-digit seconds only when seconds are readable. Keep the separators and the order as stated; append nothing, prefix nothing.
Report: 1.06.30
